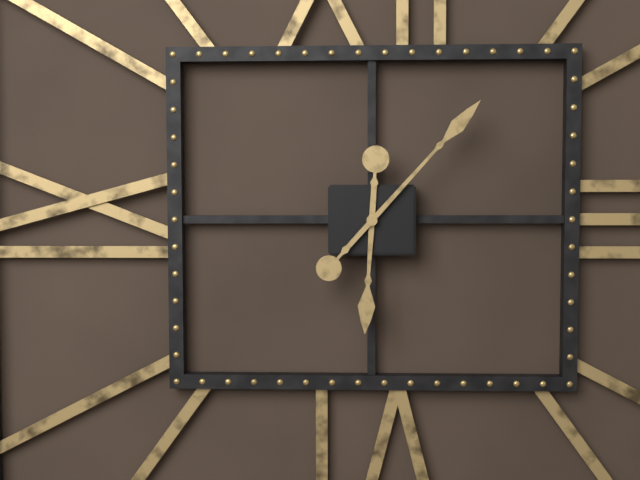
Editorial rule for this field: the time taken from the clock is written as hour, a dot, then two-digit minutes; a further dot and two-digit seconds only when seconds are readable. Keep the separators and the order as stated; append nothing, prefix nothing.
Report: 6.07
